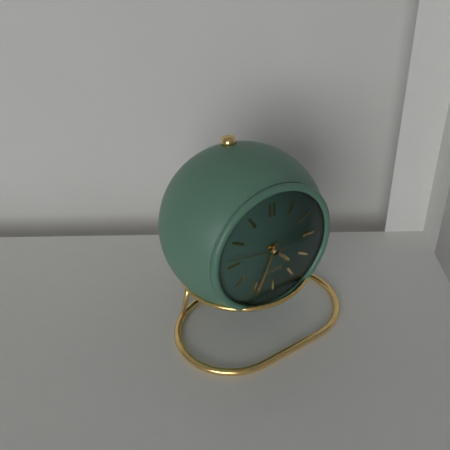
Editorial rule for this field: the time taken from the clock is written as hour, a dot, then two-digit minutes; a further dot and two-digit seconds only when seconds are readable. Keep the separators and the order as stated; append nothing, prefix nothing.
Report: 4.34.47
